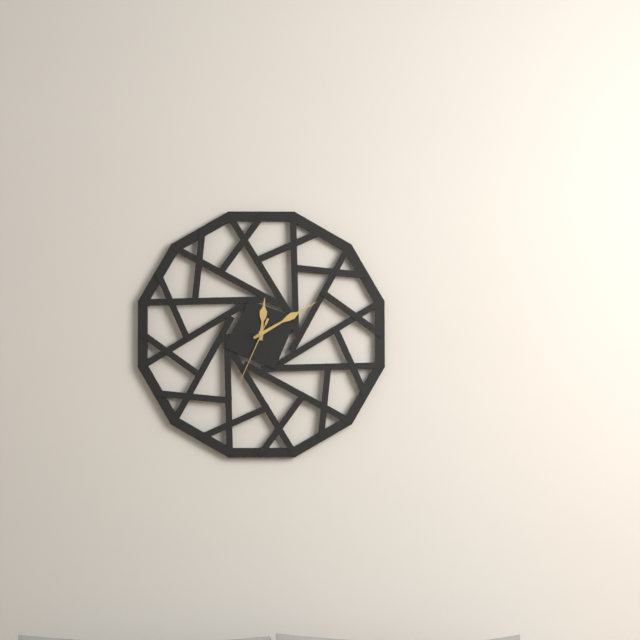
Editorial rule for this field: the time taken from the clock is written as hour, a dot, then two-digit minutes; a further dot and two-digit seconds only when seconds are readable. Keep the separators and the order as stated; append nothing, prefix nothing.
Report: 12.10.34
